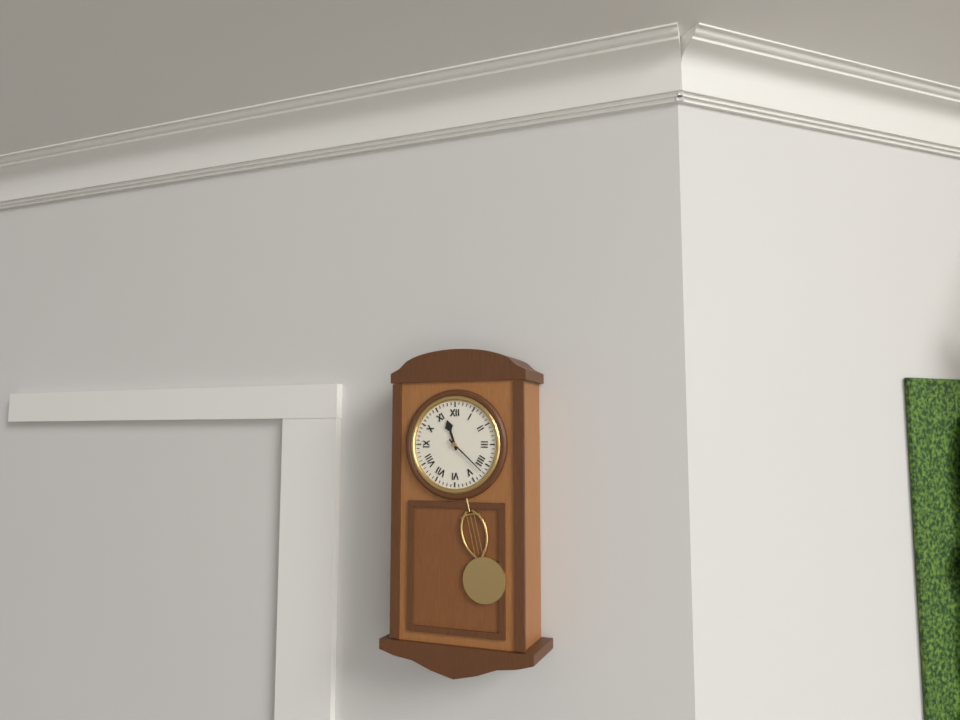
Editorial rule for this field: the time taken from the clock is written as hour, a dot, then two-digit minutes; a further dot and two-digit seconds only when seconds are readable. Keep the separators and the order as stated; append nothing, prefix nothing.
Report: 11.22
